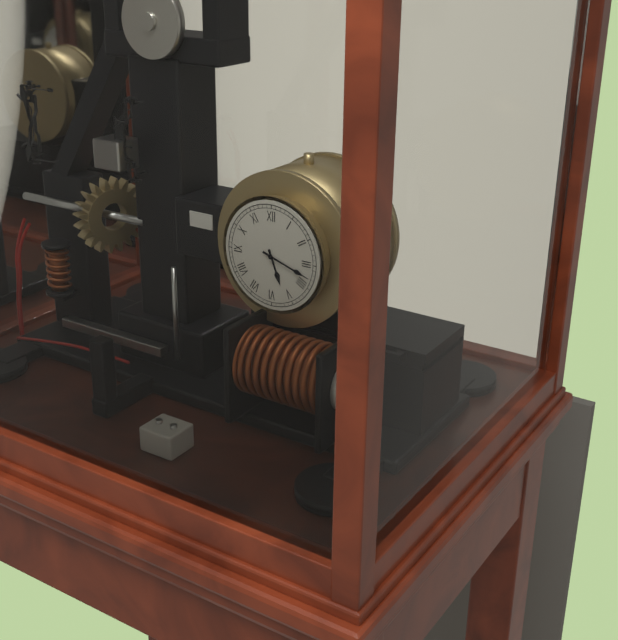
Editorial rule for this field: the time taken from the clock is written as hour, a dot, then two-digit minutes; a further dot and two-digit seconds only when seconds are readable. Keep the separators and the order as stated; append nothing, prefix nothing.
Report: 5.18
